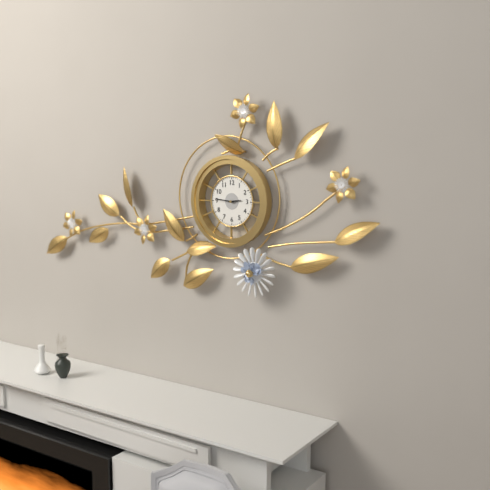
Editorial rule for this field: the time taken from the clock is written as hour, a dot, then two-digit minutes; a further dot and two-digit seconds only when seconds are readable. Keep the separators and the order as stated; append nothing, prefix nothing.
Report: 2.46
